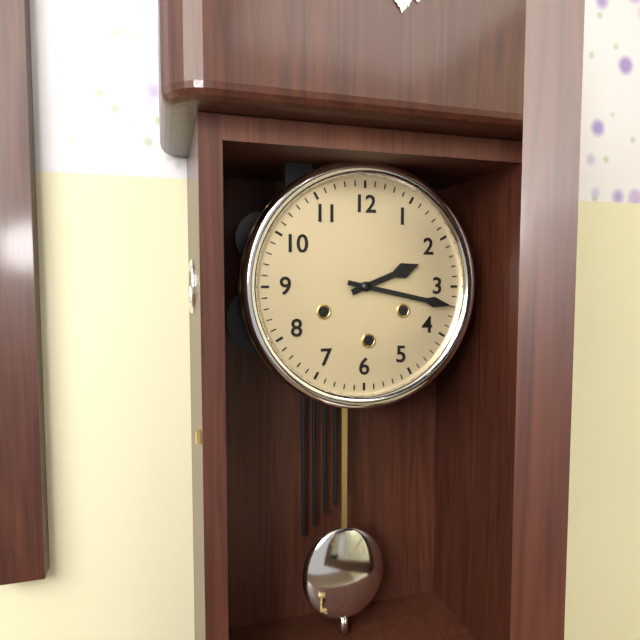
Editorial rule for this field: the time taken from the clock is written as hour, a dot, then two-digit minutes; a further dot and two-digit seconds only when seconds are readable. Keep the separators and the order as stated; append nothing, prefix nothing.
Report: 2.17
